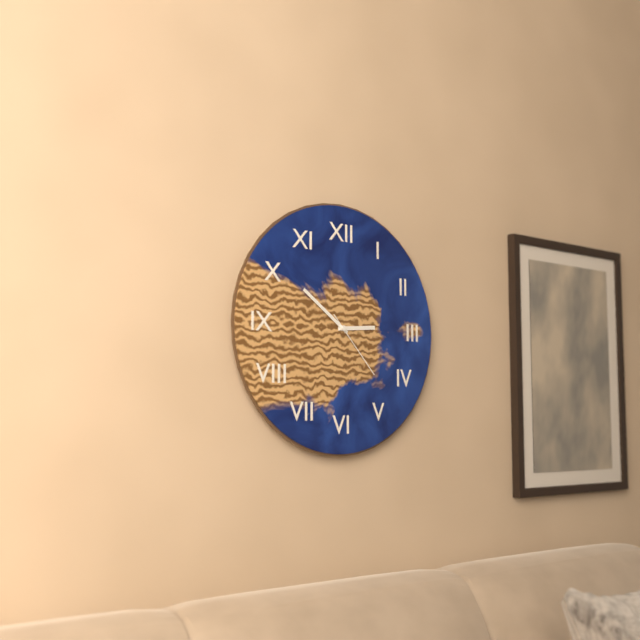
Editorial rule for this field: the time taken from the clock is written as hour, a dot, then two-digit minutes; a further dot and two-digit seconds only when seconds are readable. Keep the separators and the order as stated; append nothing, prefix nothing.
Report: 2.51.23
